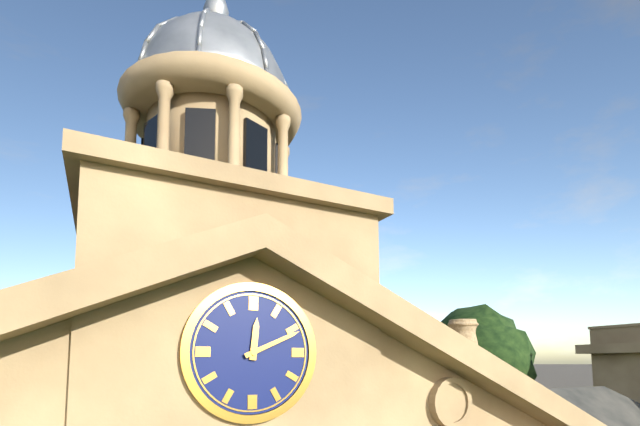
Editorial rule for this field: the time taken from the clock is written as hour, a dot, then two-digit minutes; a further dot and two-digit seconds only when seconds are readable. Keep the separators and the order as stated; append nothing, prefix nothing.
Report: 12.11
